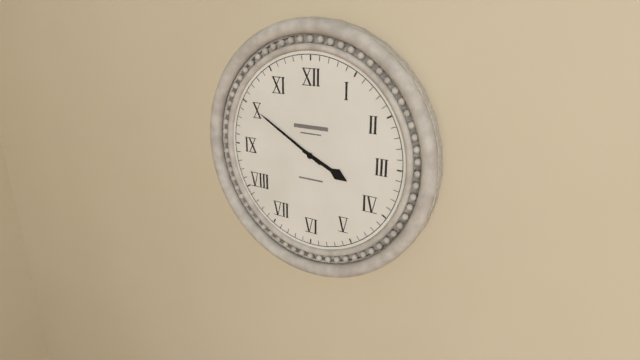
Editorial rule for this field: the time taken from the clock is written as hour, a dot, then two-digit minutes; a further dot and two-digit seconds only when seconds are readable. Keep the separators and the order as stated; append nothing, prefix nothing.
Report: 3.50
